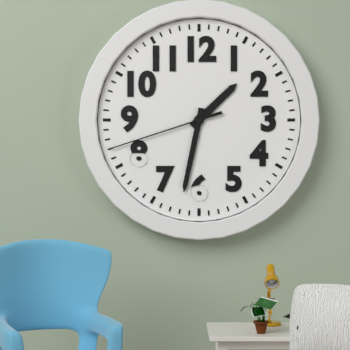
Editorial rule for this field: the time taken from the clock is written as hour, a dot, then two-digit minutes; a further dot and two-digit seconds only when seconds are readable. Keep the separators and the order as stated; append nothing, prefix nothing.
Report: 1.32.42
